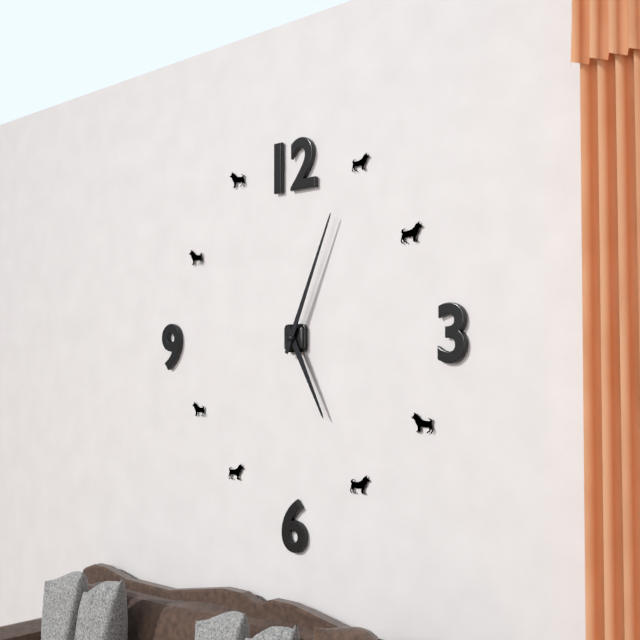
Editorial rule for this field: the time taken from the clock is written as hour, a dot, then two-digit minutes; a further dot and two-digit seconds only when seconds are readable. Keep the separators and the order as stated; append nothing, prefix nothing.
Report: 5.04
